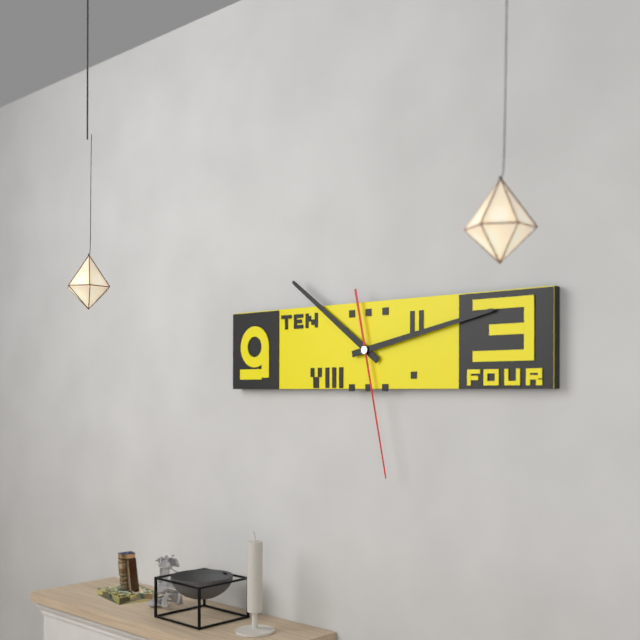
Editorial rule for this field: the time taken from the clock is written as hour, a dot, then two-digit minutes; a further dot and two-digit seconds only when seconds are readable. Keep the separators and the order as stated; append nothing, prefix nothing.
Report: 10.13.28
